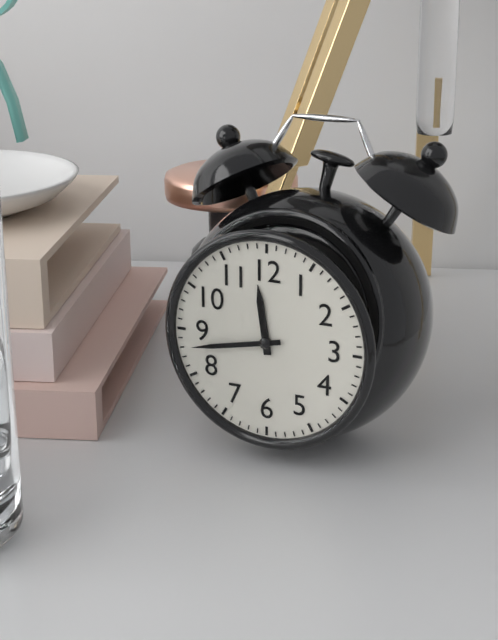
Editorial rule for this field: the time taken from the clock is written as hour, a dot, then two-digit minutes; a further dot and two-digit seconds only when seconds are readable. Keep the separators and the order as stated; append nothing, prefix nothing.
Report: 11.43
